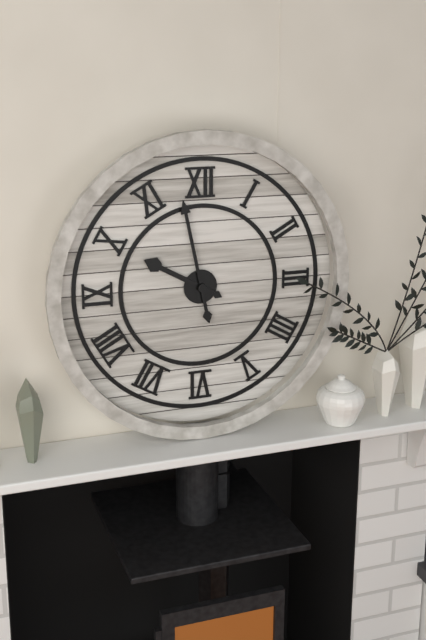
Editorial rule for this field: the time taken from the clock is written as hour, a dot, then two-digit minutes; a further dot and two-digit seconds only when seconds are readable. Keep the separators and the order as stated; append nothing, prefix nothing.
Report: 9.58
